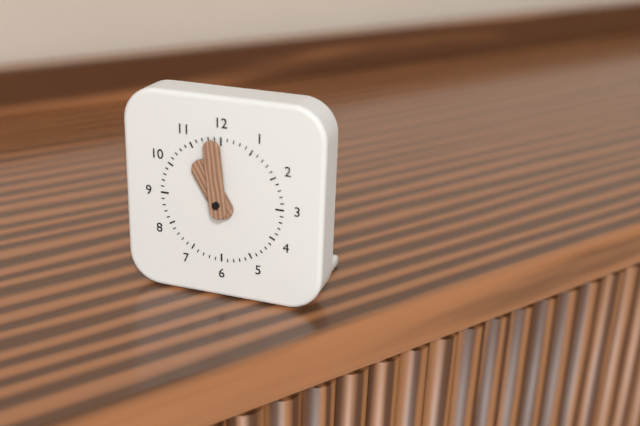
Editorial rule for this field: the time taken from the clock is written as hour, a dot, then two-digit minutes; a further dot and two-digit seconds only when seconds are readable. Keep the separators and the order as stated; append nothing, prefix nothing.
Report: 10.59
